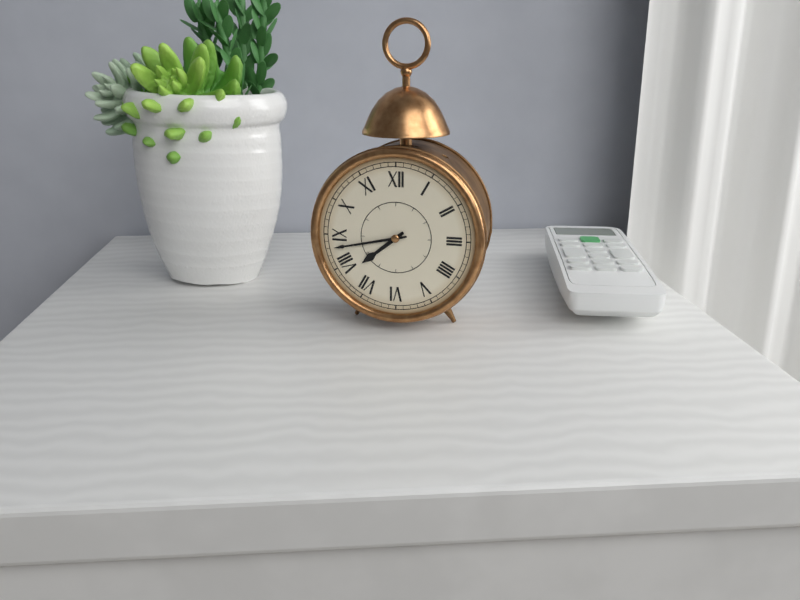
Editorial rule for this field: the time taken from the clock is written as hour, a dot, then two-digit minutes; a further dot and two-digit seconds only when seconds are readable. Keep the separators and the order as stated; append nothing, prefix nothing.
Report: 7.43
